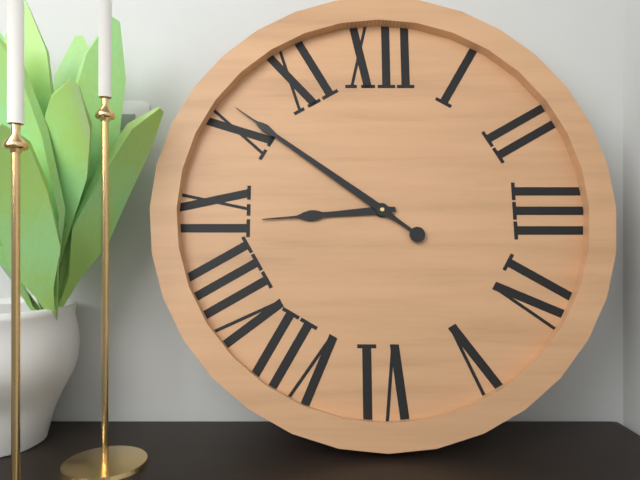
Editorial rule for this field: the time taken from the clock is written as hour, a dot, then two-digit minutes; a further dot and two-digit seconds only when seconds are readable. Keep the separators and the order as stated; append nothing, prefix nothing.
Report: 8.51
